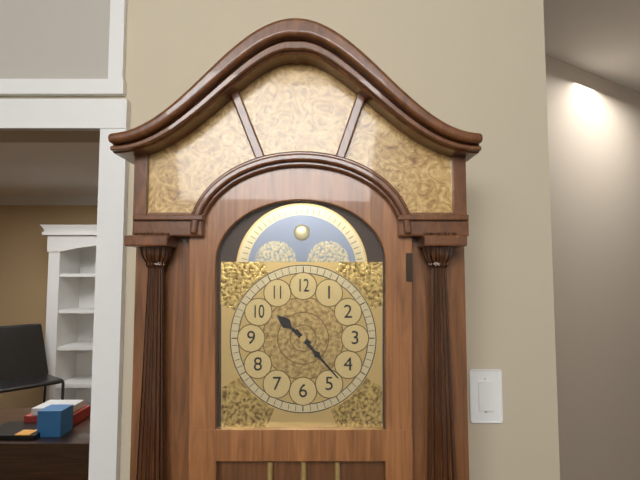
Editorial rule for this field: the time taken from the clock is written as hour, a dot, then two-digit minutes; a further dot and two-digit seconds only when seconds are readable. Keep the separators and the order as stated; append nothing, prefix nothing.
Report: 10.23
